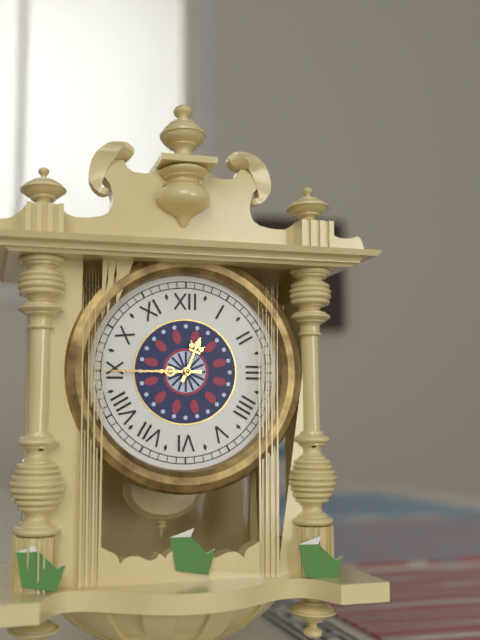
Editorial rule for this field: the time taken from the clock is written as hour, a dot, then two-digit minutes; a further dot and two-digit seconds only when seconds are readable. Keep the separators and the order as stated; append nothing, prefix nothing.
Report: 12.45
